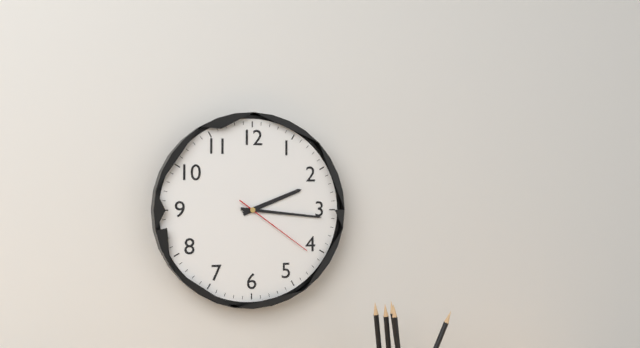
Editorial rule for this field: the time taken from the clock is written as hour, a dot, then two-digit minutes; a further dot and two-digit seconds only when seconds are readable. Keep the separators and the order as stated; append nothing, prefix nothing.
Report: 2.16.21
